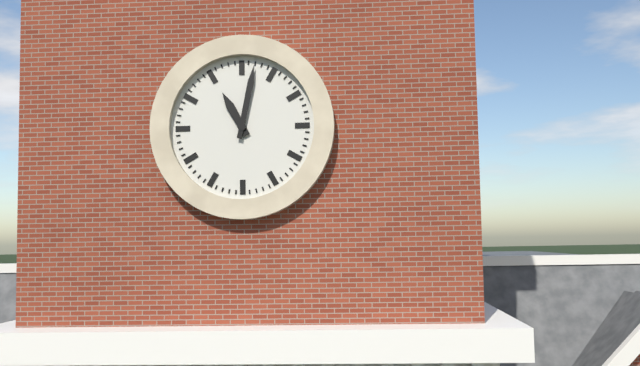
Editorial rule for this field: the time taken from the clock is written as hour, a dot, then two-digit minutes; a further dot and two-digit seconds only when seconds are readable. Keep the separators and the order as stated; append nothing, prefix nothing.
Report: 11.02
